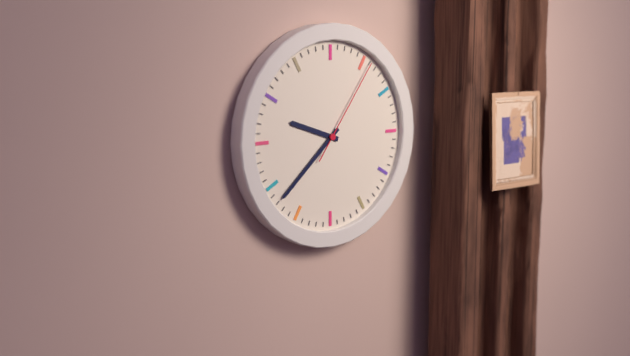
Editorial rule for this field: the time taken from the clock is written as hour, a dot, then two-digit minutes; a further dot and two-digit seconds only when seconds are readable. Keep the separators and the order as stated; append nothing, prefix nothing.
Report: 9.38.06
